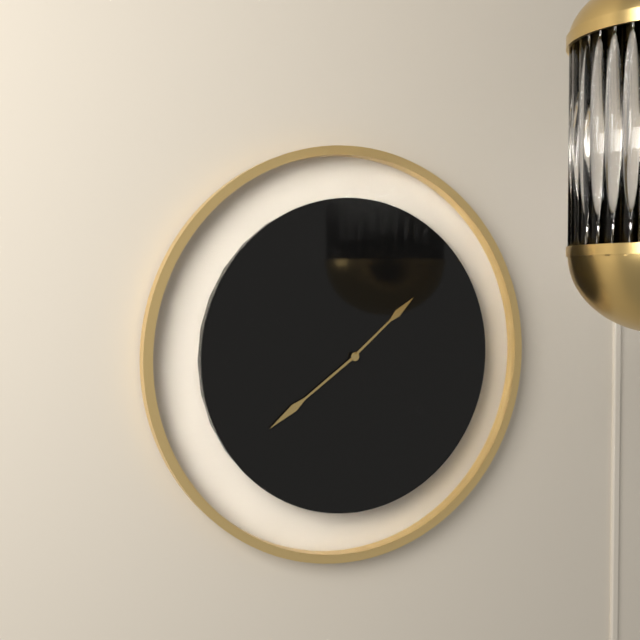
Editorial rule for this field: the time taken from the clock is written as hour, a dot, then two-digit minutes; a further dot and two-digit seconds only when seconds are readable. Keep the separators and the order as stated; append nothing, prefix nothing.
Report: 1.39
